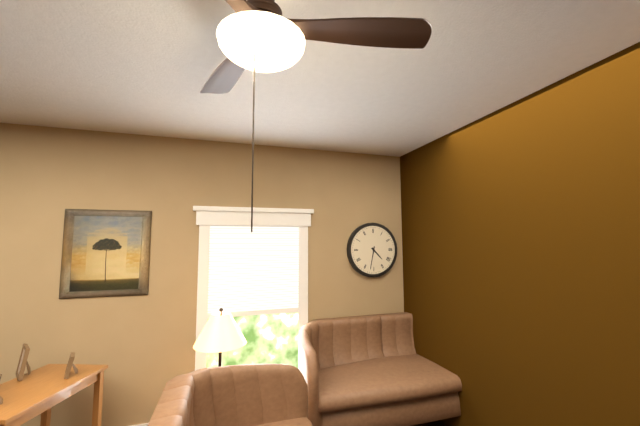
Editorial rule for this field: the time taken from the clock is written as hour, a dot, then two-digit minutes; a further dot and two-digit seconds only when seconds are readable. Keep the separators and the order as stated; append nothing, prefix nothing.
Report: 4.32
